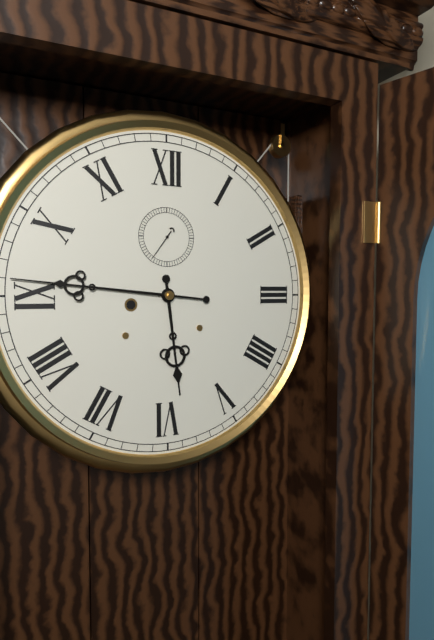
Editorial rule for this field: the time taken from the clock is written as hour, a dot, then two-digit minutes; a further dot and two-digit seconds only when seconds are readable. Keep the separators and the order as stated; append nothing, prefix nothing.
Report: 5.46
